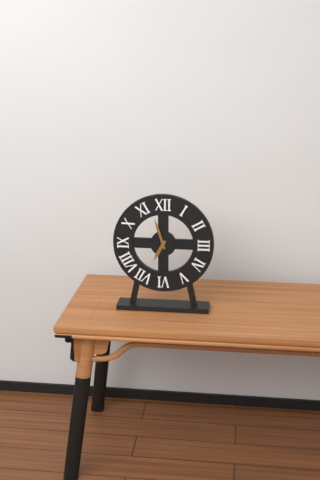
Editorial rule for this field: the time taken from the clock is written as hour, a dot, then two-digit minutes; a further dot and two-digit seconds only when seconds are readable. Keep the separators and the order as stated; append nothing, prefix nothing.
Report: 6.57
